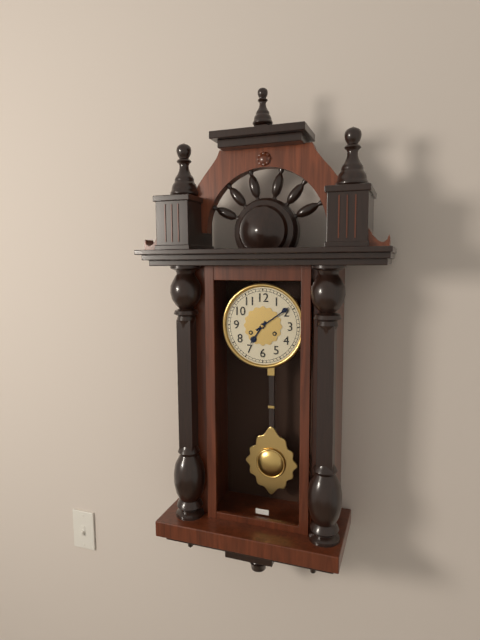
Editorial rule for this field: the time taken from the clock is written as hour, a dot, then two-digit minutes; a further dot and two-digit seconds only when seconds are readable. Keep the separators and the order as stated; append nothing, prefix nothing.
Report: 7.09
